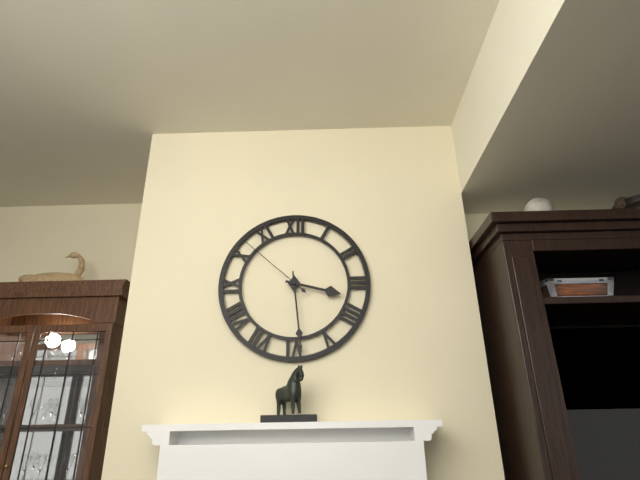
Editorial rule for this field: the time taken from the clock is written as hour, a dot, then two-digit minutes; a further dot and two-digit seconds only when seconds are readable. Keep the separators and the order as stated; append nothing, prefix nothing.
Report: 3.29.52
